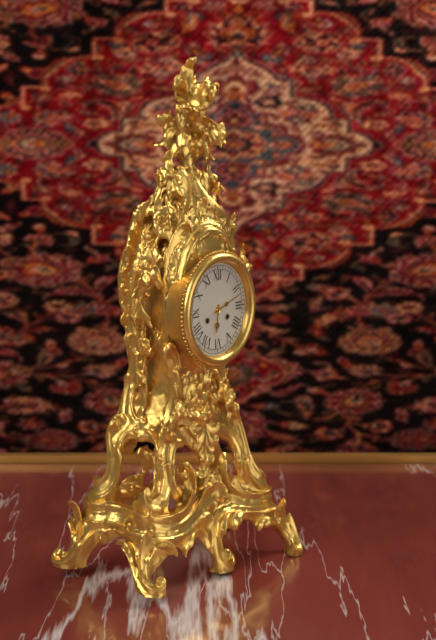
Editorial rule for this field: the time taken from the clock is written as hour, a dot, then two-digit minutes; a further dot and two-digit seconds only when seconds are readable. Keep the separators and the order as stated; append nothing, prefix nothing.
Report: 6.12
